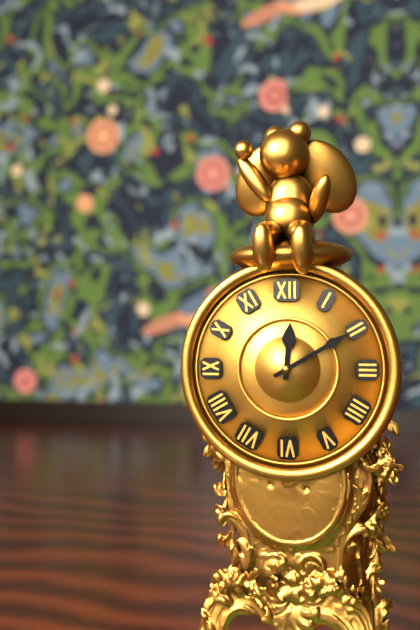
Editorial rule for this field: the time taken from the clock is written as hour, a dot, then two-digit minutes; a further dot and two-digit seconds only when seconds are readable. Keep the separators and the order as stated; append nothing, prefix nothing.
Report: 12.10
